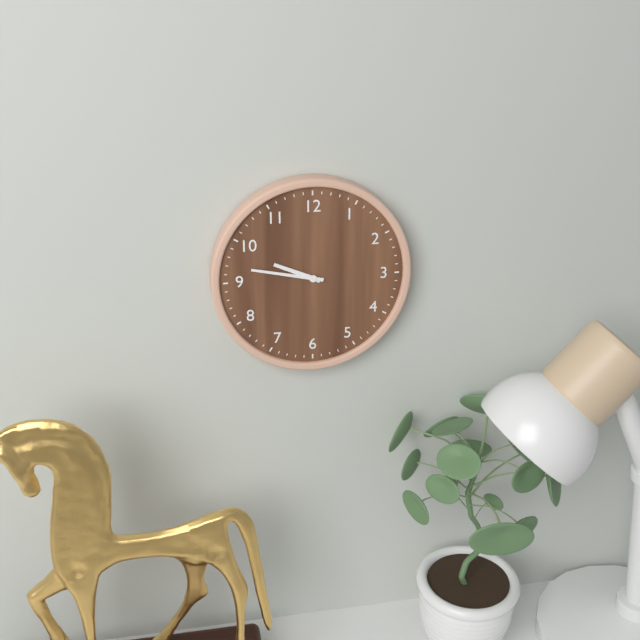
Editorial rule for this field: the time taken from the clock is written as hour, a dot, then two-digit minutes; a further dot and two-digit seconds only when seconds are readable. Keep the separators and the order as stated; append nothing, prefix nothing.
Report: 9.47
